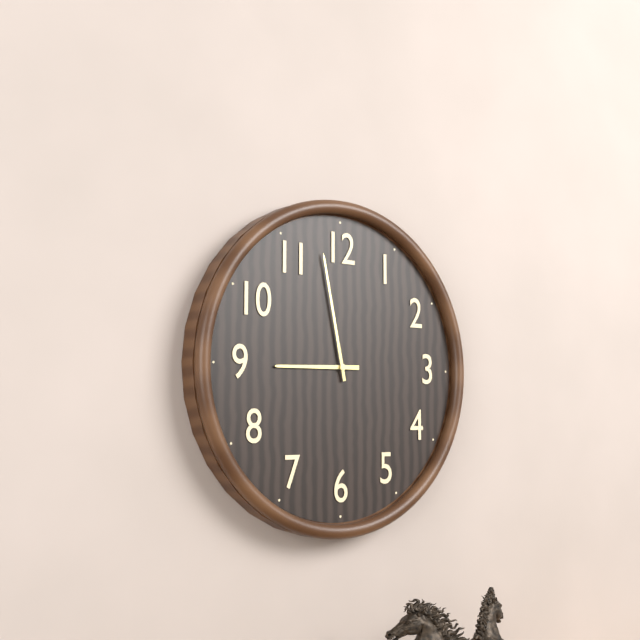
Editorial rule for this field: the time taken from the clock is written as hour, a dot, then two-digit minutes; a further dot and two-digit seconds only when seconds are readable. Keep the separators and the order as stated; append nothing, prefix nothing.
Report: 8.58
